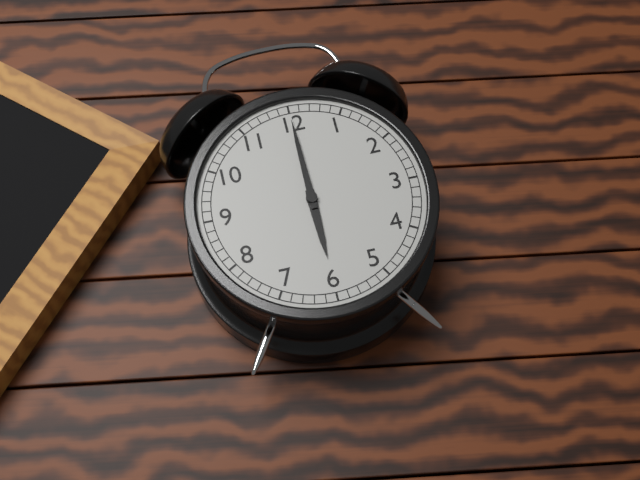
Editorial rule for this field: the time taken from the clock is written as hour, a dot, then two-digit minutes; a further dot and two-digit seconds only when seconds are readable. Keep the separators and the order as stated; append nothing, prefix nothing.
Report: 6.00
